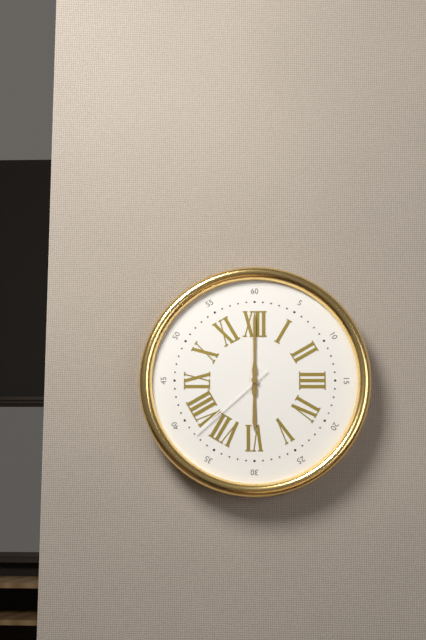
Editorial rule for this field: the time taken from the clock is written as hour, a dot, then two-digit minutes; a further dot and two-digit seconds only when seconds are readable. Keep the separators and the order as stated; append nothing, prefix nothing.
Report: 6.00.38
